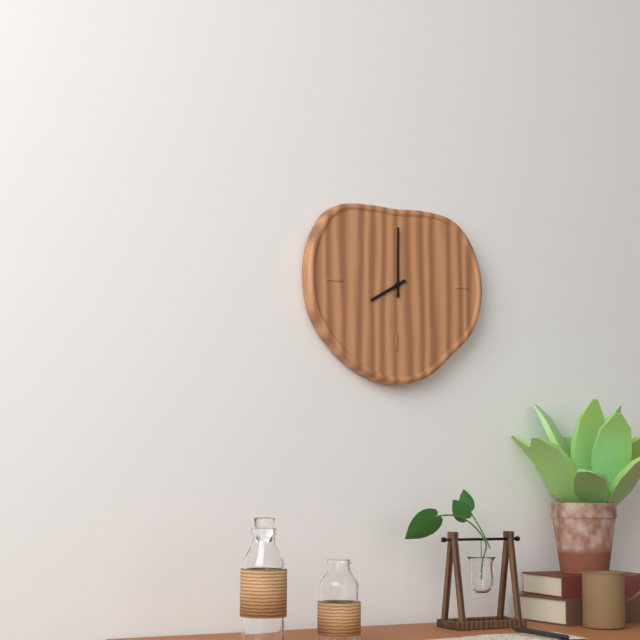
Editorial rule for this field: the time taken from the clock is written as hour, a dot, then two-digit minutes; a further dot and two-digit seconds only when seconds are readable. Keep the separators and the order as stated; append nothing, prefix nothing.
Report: 8.00
